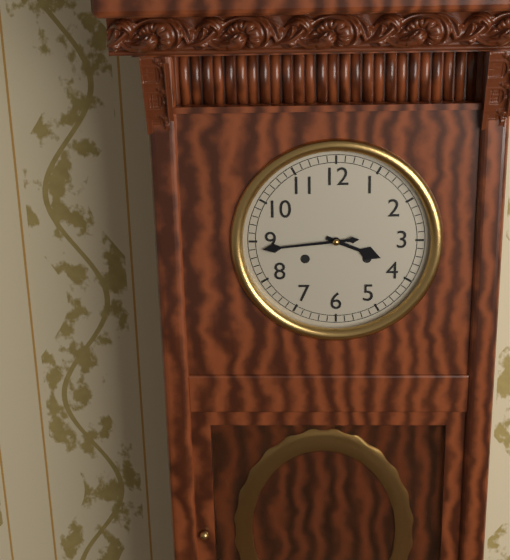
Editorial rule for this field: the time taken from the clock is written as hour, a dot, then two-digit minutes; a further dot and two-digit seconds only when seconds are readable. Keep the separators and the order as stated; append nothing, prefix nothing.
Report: 3.44
